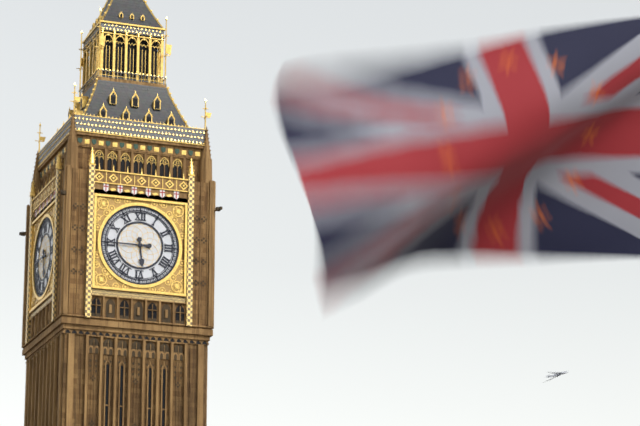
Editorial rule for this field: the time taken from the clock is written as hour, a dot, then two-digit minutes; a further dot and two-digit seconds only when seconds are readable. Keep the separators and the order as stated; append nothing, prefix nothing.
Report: 5.45
